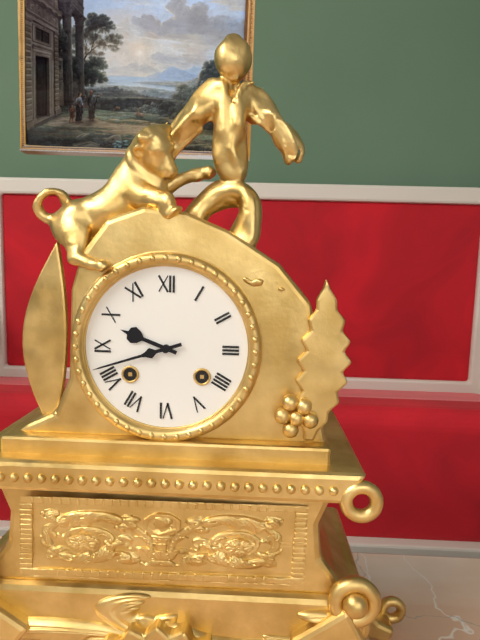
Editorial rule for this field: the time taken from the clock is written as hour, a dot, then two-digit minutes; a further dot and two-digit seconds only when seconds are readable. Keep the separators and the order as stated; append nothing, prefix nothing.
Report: 9.42
